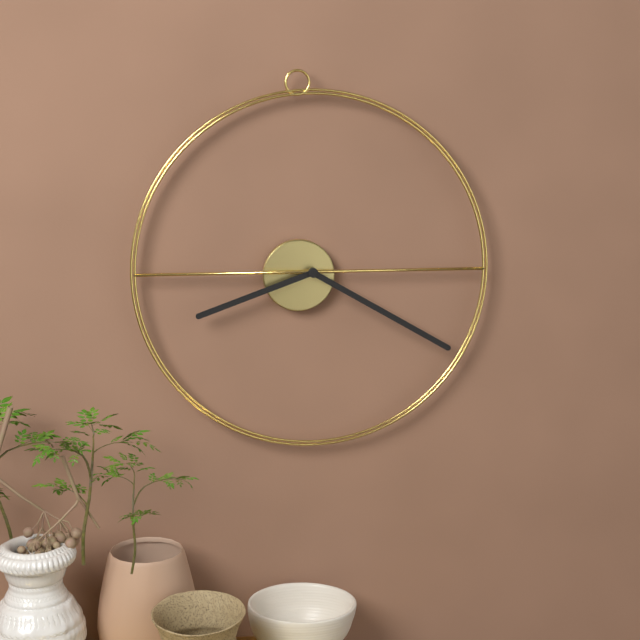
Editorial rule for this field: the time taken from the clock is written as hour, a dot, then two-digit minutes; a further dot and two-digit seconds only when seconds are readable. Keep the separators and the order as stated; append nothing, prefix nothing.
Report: 8.20
